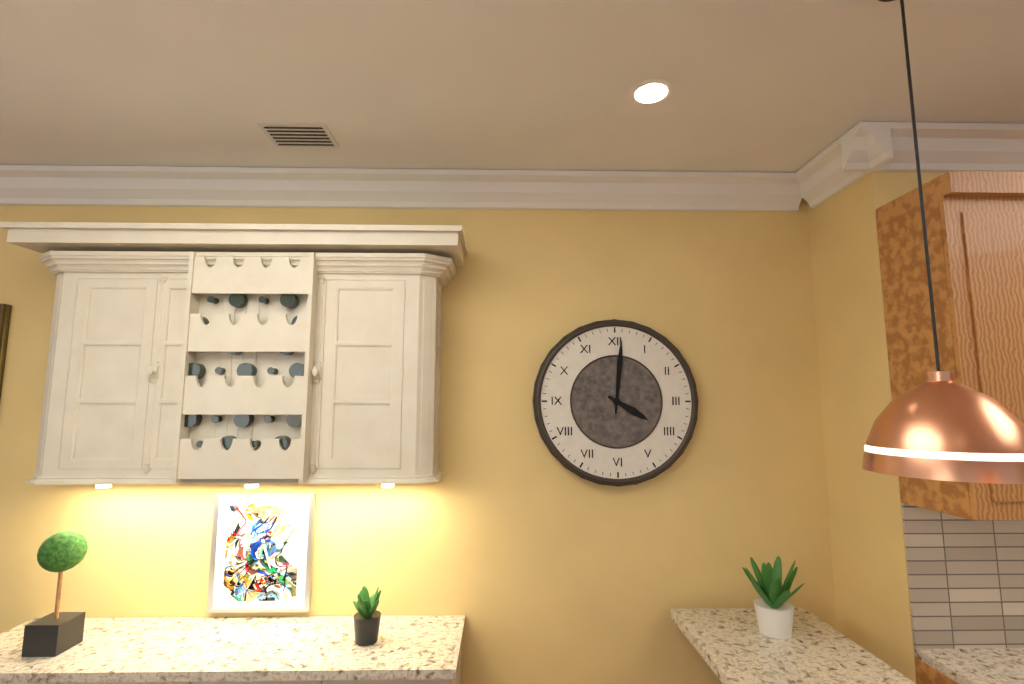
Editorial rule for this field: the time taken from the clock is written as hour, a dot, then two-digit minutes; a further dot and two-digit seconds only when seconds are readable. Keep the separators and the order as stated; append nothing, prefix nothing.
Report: 4.01
